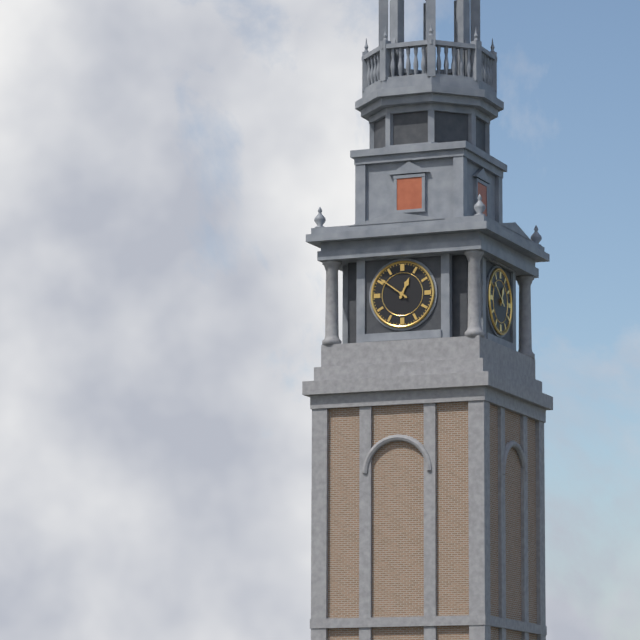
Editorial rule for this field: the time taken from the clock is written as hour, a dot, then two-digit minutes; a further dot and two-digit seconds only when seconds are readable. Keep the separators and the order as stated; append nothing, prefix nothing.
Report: 12.51
